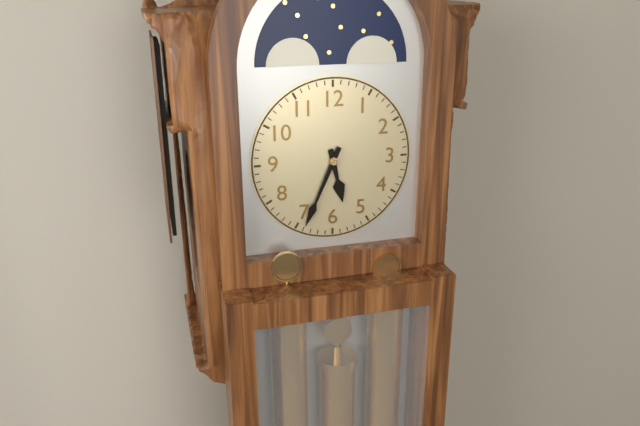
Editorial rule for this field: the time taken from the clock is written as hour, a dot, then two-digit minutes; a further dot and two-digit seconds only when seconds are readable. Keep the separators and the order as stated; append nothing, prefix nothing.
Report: 5.34
